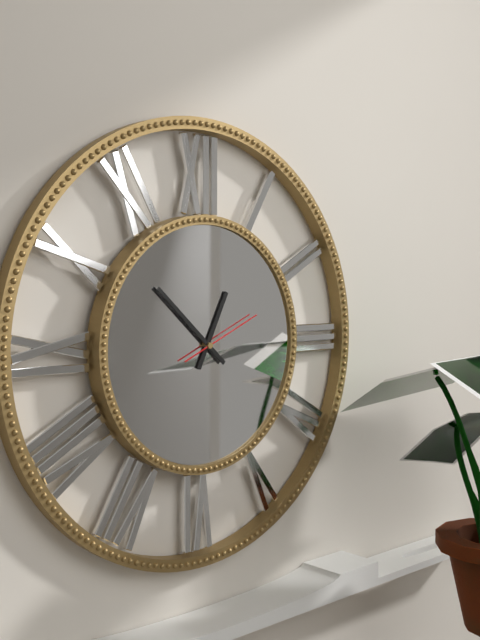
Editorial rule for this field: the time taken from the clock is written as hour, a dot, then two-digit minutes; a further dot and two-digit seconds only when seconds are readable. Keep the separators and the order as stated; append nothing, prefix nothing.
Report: 12.52.11
